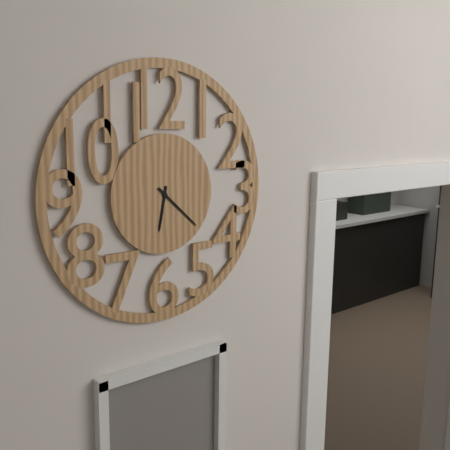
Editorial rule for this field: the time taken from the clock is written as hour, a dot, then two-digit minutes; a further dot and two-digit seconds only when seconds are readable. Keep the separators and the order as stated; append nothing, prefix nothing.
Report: 6.22
